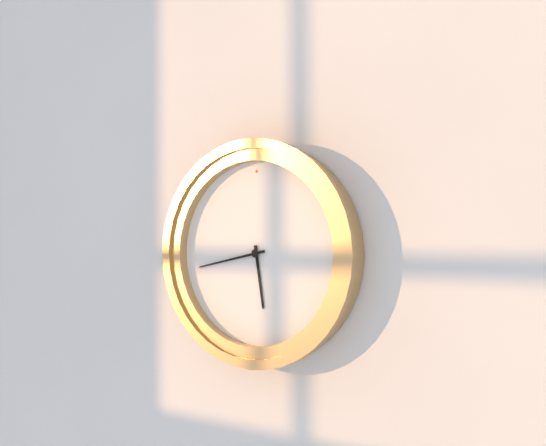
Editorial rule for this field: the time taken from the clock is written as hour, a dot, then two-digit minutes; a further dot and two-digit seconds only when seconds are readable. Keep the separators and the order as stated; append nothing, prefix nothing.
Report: 5.43
